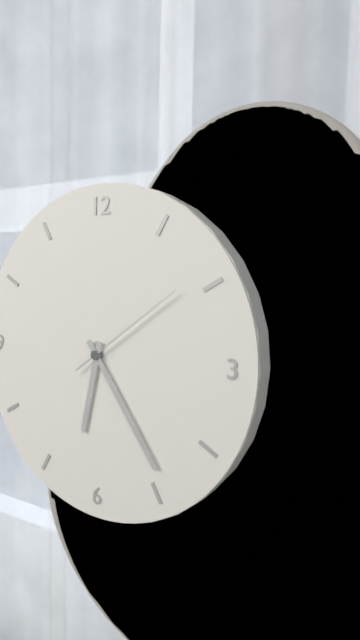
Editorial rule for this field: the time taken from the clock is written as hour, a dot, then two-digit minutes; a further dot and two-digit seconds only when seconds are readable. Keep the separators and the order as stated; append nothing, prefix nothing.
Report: 6.24.09
